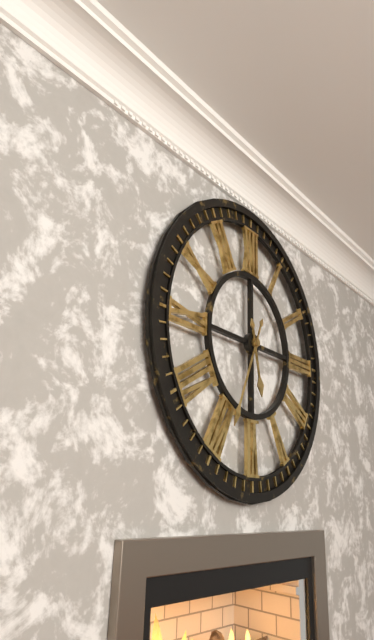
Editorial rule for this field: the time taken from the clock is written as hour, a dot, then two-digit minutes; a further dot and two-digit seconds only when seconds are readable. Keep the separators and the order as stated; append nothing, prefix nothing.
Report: 5.34
